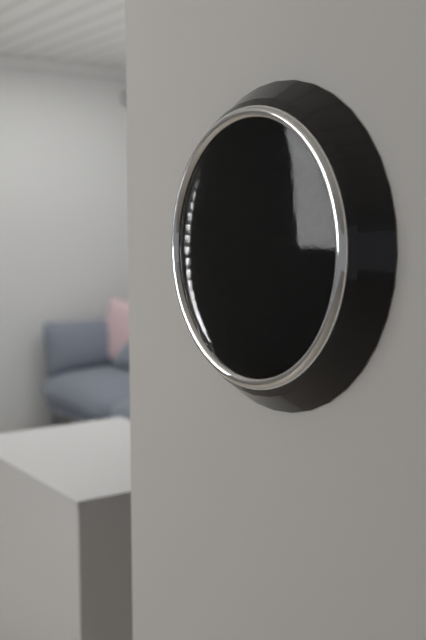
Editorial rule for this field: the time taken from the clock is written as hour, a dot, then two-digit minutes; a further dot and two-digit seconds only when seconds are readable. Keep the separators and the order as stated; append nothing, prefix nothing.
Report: 3.31
